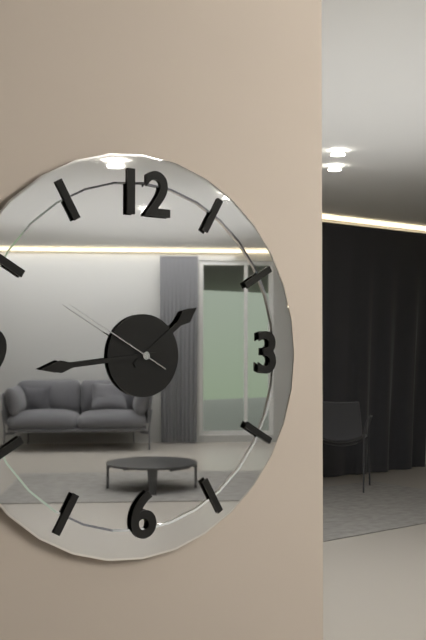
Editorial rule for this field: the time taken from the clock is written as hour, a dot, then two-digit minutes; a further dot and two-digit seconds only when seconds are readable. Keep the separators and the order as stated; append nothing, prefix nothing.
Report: 1.44.50
